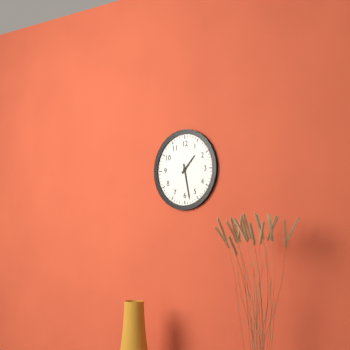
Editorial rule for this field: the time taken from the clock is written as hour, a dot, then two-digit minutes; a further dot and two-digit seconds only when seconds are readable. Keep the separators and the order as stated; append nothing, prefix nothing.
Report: 1.28
